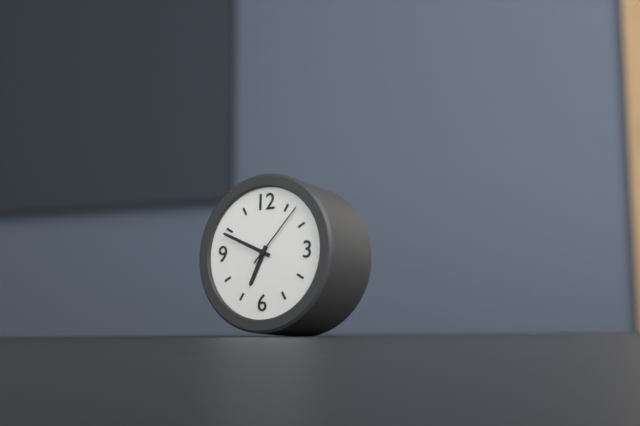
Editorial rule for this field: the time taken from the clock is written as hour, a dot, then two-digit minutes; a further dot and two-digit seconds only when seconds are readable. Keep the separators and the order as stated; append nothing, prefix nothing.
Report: 6.49.07
